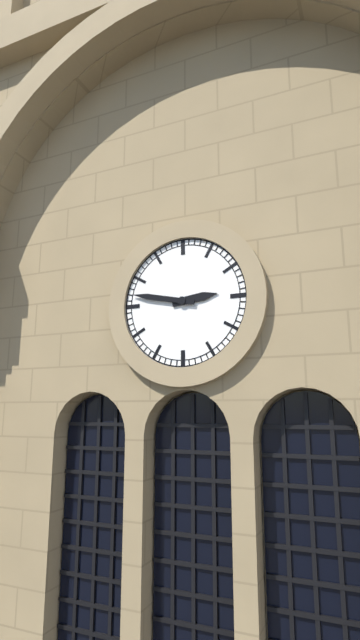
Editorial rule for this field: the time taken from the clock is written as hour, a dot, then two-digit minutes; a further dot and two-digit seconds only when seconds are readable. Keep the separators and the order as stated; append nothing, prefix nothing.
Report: 2.47
